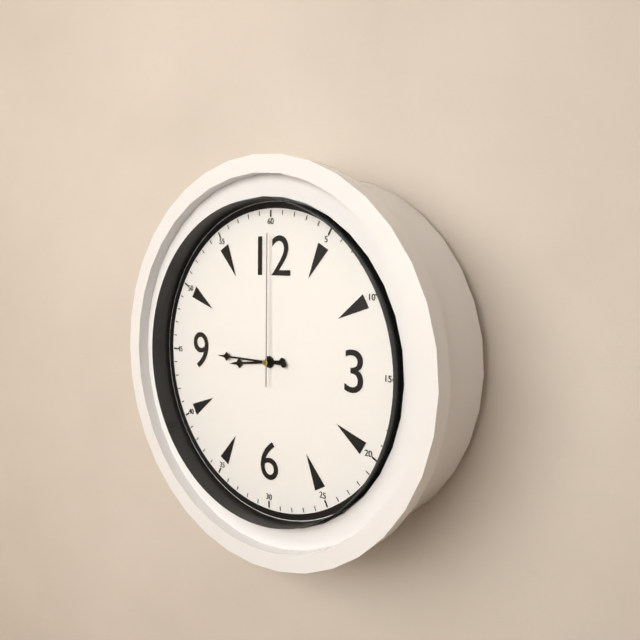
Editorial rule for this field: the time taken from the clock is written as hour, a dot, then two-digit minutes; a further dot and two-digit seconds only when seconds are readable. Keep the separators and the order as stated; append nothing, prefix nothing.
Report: 8.45.00
